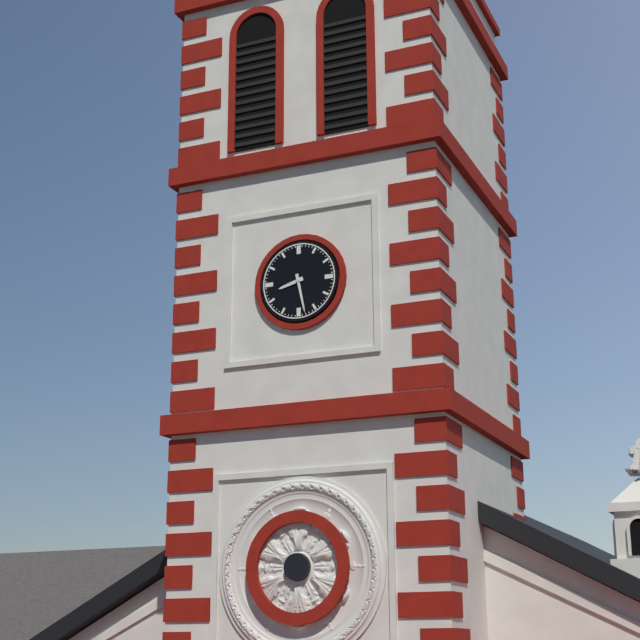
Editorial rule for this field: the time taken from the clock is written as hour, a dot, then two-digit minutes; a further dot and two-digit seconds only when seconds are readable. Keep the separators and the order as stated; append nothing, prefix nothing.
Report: 8.28
